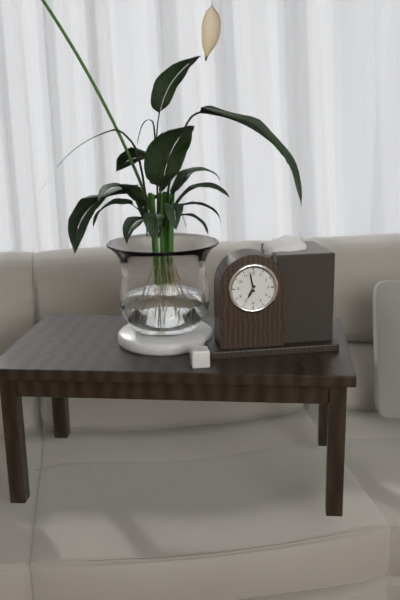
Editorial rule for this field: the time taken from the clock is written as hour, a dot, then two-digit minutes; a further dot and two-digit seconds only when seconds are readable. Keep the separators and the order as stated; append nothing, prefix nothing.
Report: 6.58
